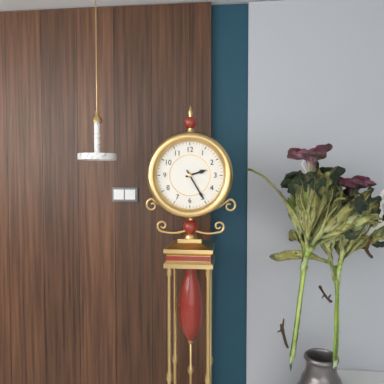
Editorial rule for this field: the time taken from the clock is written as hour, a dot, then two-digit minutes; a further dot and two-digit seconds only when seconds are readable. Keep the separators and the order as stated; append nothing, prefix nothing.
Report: 2.25
